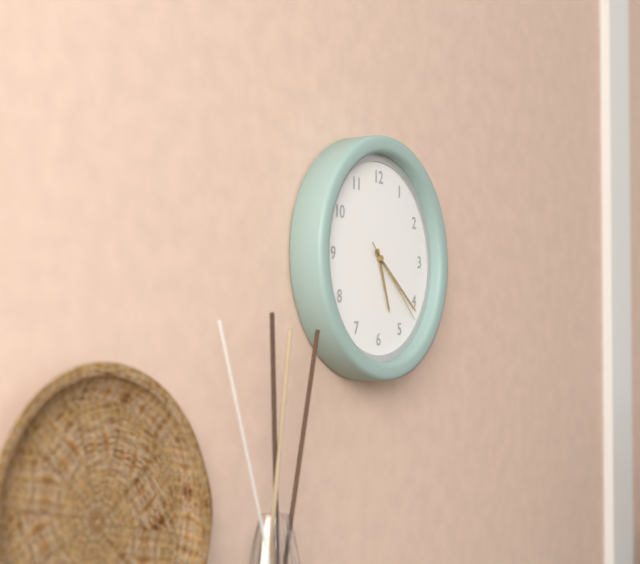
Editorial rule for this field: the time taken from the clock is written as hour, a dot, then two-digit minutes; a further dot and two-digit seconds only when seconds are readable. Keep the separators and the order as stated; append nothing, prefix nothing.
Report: 5.21.22
